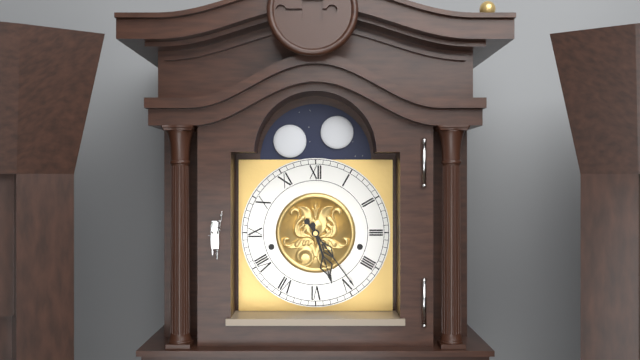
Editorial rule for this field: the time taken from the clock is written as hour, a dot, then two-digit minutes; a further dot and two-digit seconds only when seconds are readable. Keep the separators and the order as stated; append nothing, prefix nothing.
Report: 5.24
